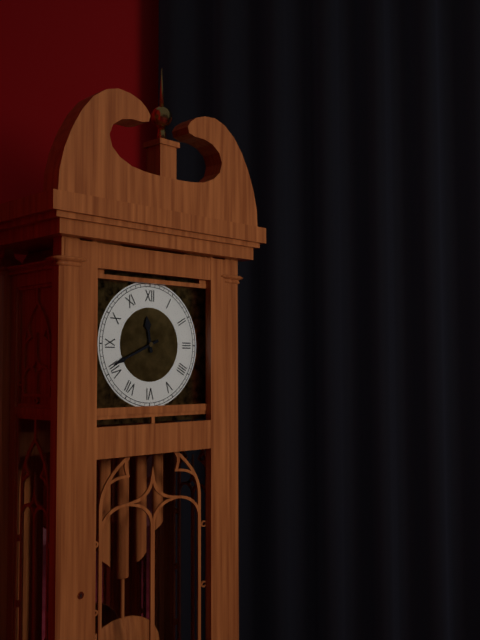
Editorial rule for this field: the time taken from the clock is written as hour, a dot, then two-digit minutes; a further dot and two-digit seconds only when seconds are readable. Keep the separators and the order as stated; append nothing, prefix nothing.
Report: 11.41
